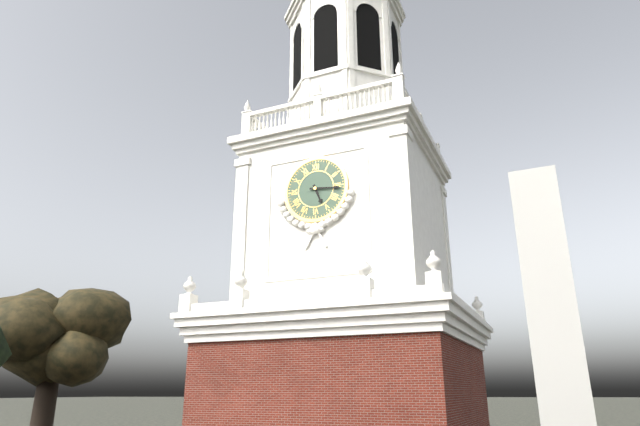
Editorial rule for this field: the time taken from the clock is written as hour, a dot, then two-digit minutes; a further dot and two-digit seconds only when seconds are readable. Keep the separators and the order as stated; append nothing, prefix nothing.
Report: 5.16
